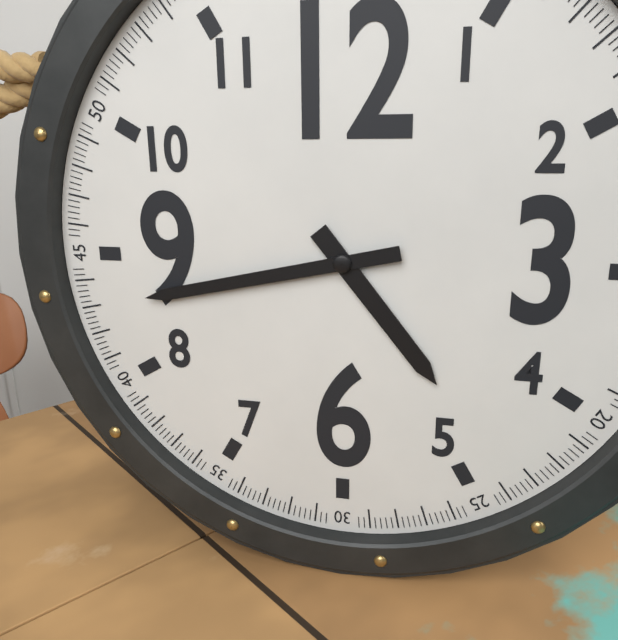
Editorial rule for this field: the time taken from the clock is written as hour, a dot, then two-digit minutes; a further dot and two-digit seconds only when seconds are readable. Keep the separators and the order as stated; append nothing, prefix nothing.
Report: 4.43
